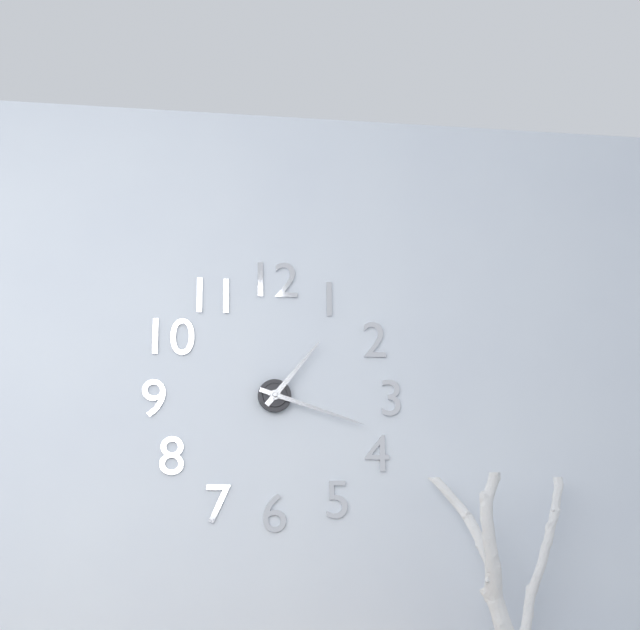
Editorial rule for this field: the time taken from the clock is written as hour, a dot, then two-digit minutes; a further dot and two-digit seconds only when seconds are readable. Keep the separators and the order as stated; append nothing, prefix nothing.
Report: 1.18
